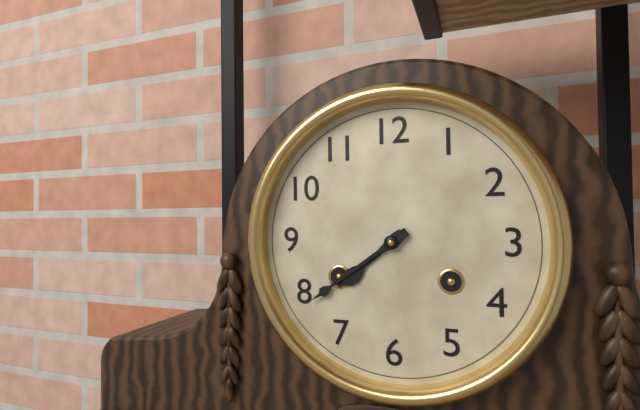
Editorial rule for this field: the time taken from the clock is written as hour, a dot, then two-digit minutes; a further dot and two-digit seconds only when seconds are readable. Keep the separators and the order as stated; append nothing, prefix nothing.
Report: 7.39
